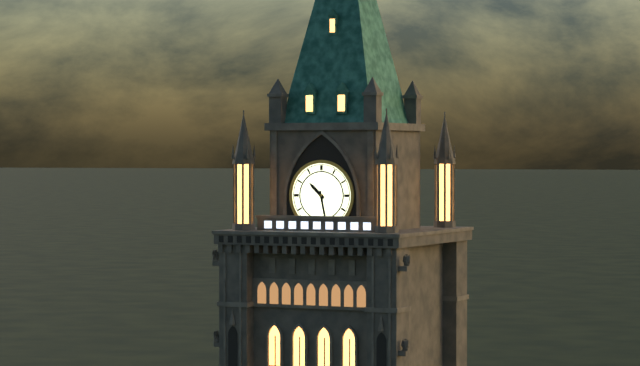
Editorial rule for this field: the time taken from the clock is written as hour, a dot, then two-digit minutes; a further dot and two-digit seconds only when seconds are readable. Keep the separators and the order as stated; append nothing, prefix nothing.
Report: 10.28
